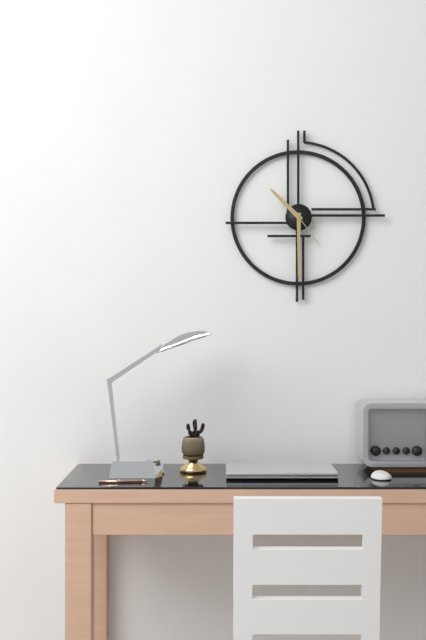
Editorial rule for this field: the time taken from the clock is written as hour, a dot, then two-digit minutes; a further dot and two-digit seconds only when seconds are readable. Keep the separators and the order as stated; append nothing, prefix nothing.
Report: 10.30
